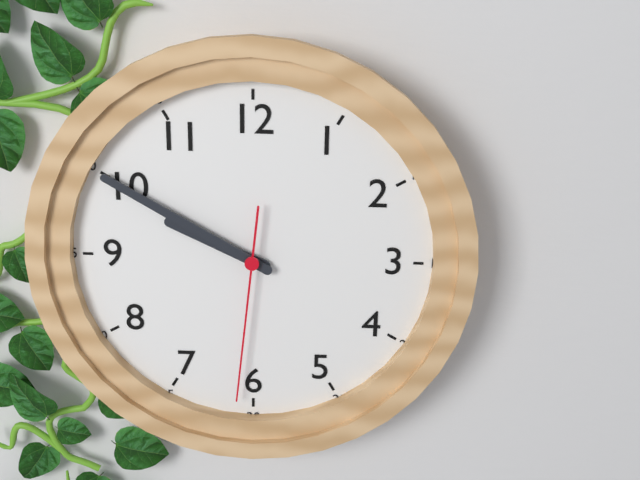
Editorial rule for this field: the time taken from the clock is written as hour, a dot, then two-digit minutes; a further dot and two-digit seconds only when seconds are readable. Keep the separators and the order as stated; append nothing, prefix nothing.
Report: 9.50.31
